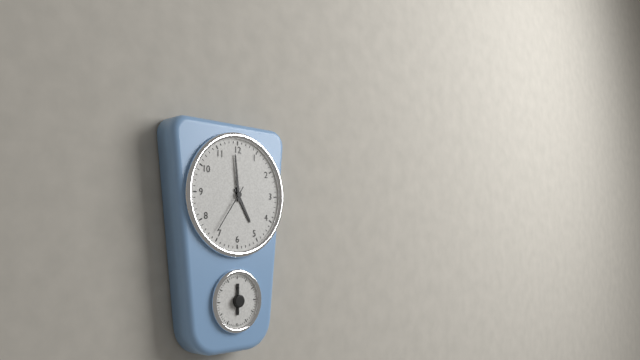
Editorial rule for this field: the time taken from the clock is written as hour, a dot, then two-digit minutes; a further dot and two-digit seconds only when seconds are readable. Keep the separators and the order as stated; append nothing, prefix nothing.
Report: 4.59.36
